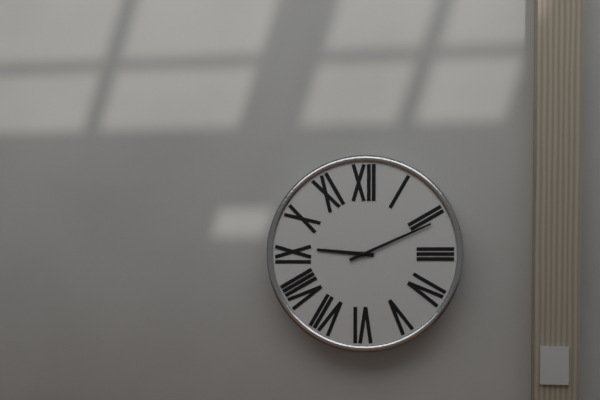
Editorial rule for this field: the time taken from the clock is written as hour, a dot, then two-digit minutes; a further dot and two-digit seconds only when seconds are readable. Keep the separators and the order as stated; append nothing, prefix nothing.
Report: 9.11
